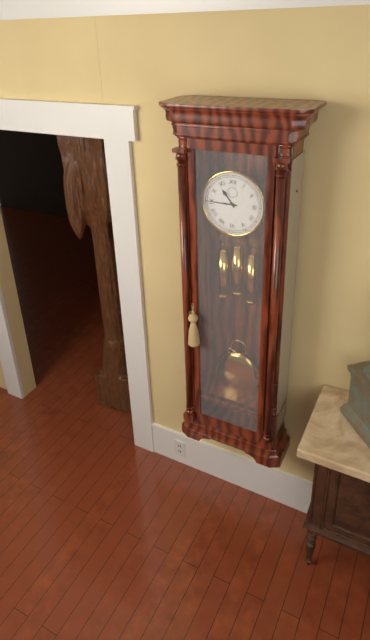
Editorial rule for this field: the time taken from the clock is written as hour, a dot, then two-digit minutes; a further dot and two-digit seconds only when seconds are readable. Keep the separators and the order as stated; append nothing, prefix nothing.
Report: 10.45
